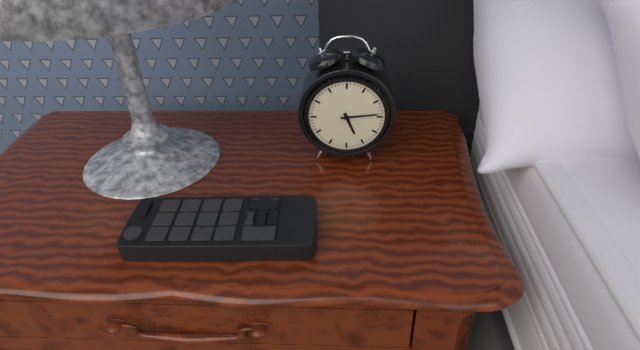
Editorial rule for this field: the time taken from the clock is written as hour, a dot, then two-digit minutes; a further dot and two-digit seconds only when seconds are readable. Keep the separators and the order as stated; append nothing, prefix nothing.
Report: 5.14
